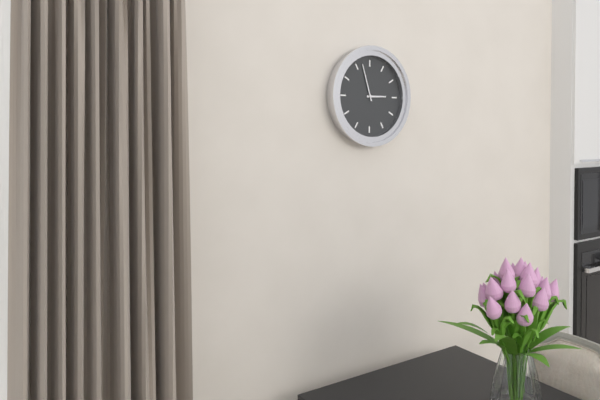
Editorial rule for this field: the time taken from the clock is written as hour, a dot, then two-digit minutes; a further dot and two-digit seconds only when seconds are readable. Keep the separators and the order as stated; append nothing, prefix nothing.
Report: 2.57
